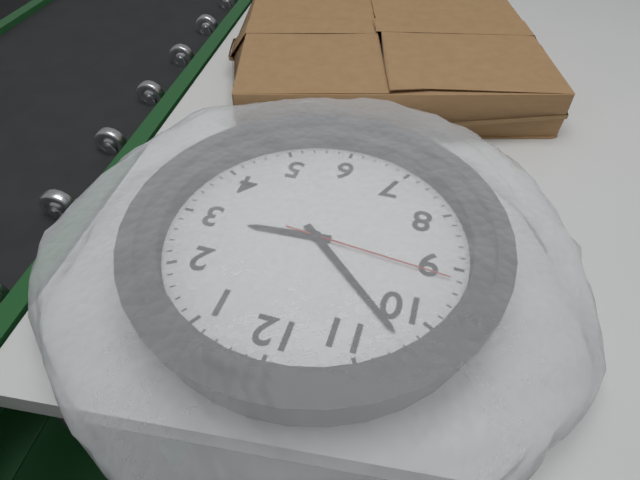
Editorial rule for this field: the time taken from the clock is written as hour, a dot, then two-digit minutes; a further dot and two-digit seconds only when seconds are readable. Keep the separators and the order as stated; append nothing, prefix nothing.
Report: 2.52.46
